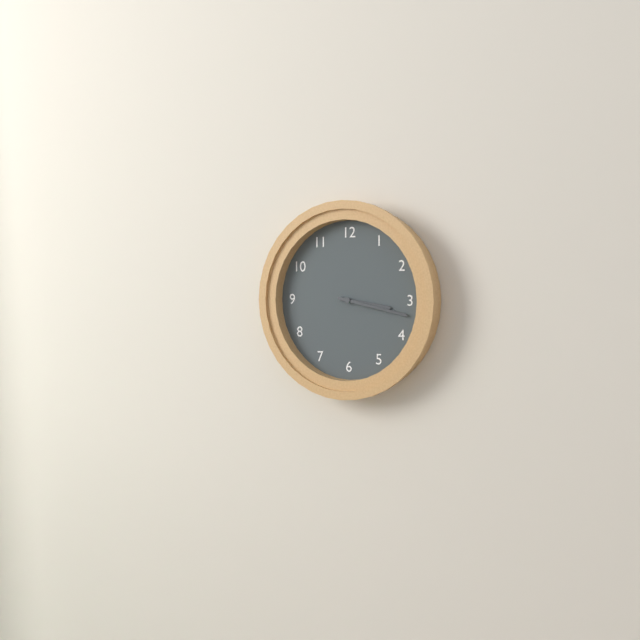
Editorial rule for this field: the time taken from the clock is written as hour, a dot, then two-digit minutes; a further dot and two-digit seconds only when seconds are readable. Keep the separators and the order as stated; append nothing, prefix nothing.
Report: 3.17
